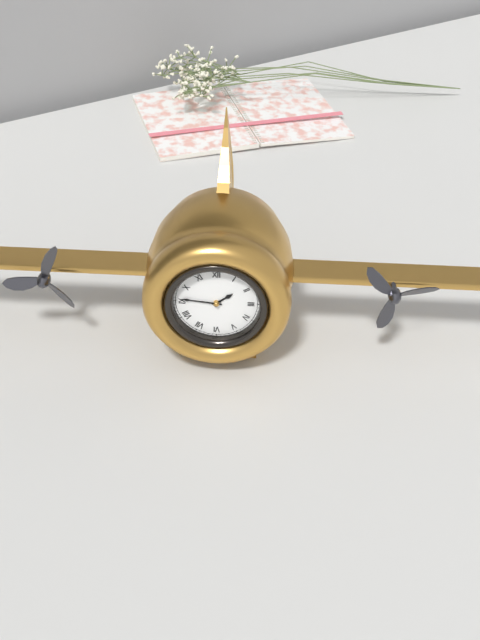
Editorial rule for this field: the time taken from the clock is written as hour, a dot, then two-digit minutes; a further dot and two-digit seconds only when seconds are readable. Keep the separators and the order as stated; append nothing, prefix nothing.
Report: 1.46
